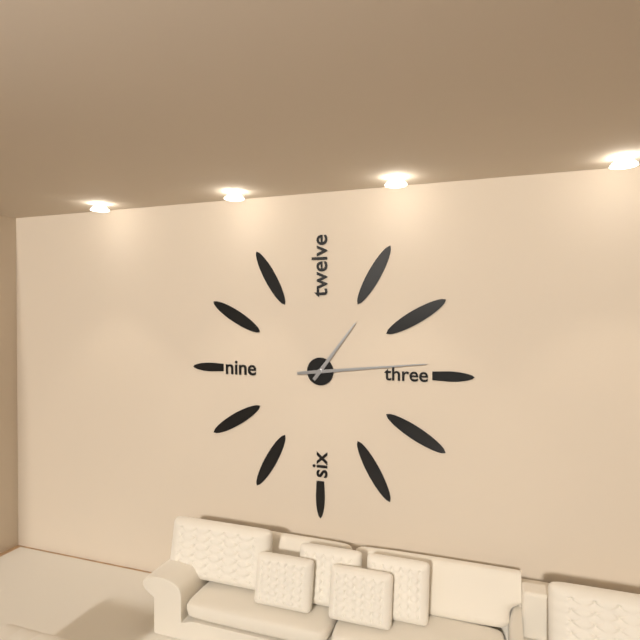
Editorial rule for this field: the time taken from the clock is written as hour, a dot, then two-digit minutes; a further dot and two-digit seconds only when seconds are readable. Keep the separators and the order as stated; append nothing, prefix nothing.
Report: 1.14
